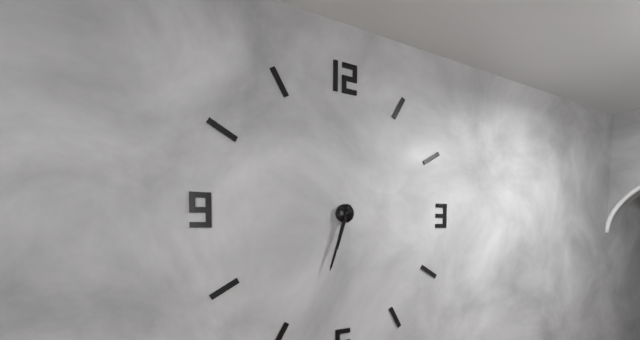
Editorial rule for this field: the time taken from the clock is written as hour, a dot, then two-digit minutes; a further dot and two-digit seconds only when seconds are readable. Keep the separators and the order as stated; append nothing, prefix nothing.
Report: 6.33
